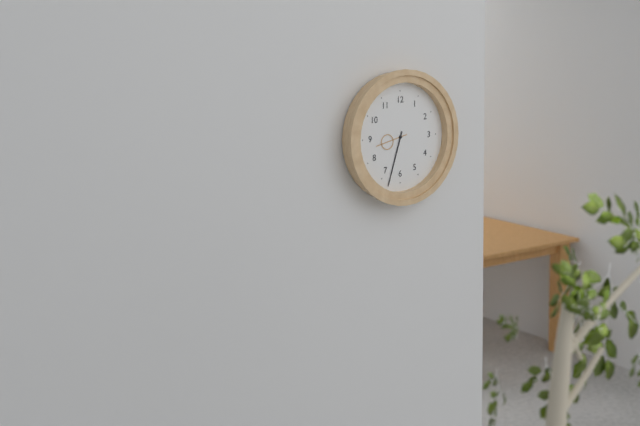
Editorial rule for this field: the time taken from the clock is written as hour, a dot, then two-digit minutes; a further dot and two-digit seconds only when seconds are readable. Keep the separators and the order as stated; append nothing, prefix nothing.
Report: 8.33
